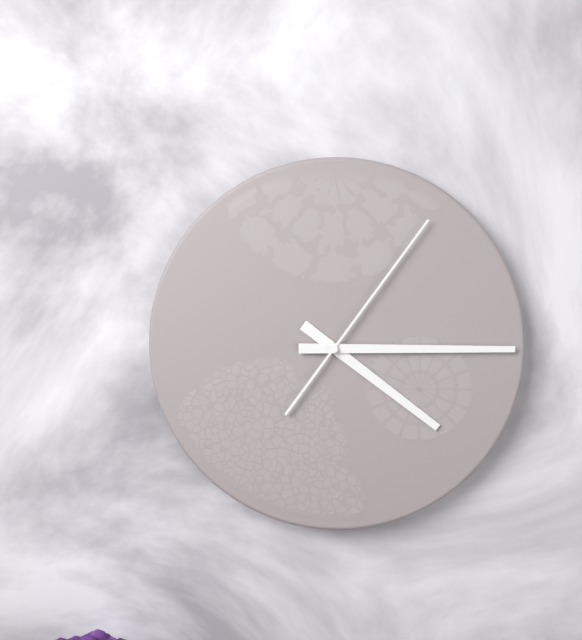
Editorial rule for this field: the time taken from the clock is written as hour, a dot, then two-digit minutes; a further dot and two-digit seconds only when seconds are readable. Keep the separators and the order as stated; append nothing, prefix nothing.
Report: 4.15.06
